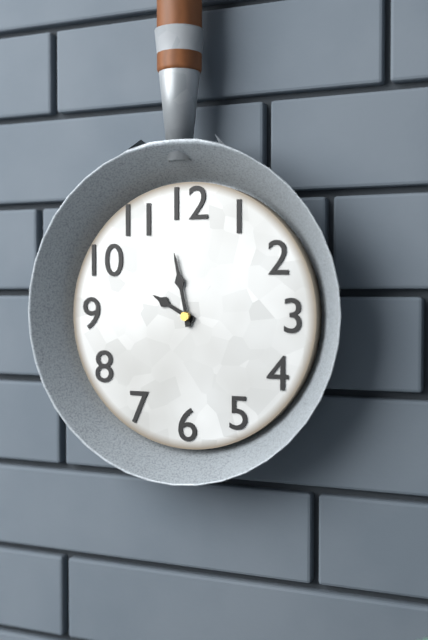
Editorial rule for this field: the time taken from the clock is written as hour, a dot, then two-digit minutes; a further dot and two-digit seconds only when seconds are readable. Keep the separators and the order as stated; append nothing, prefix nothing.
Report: 9.58
